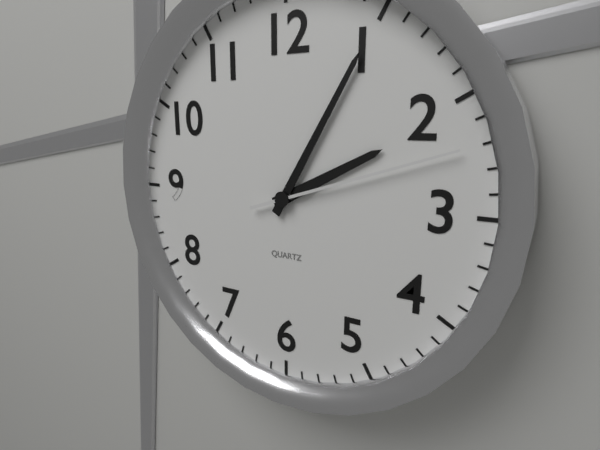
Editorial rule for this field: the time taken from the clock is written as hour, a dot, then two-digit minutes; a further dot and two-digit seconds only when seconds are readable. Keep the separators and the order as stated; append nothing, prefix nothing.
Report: 2.05.12
